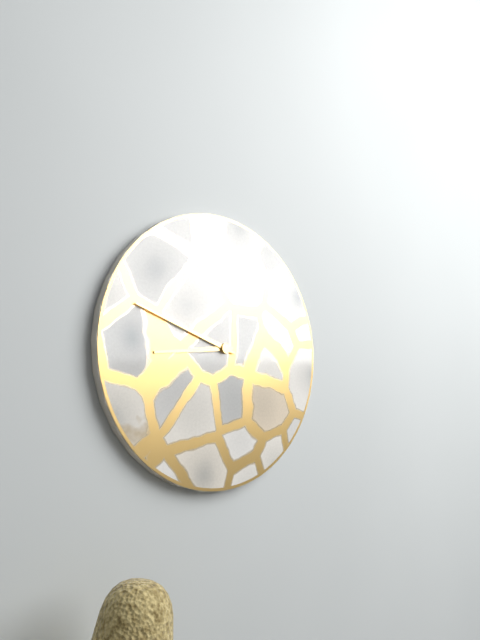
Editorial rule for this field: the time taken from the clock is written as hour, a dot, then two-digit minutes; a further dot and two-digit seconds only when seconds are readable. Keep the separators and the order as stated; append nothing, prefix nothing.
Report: 8.48
